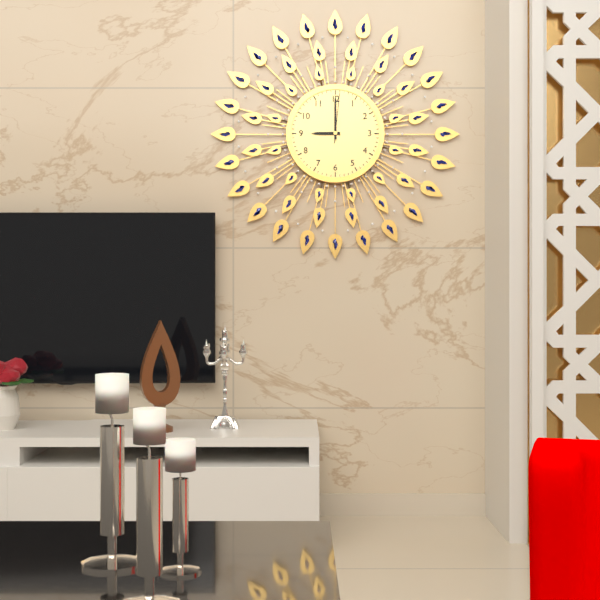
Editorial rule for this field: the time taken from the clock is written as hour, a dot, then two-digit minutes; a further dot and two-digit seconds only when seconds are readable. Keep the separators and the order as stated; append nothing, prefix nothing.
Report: 9.00.01
